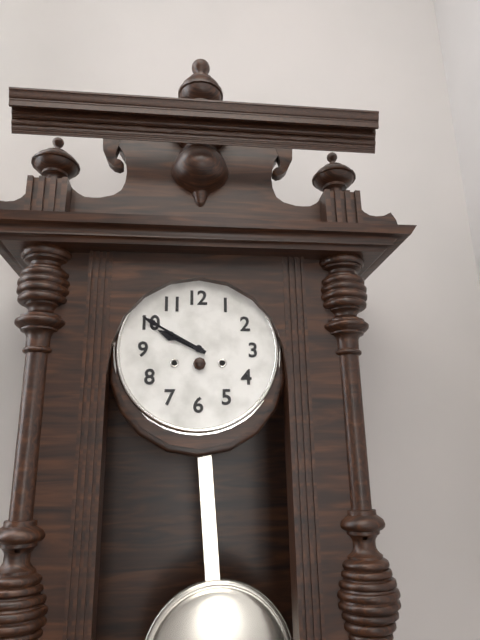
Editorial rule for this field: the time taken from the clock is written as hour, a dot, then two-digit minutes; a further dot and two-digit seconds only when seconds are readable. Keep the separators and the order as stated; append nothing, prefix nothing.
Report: 9.50
